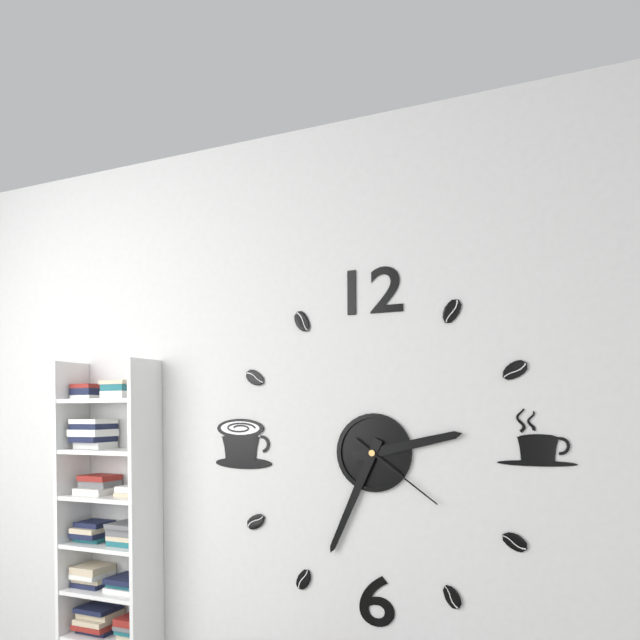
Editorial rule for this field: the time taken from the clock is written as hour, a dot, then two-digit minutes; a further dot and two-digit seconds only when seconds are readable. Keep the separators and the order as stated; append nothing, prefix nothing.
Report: 2.34.21
